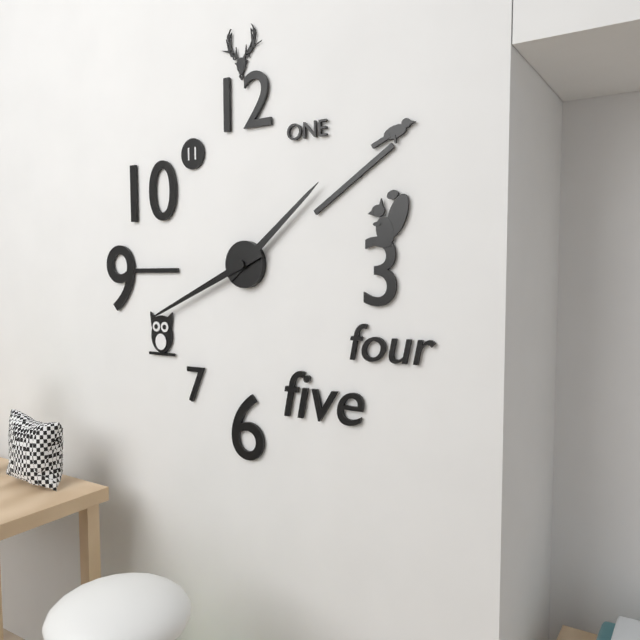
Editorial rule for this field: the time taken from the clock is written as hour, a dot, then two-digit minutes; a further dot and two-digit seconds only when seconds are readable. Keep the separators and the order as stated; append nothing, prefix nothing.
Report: 1.41
